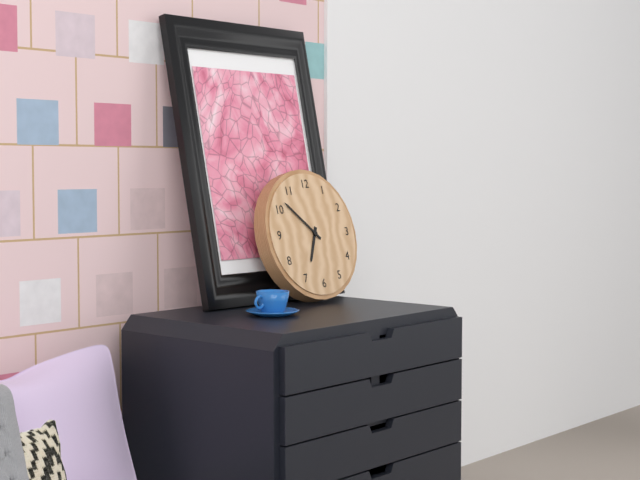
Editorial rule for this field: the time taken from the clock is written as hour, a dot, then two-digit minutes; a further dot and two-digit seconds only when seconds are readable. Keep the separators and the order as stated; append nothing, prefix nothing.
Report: 6.52
